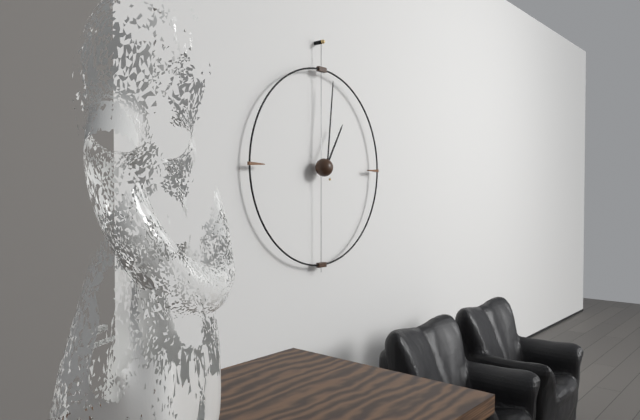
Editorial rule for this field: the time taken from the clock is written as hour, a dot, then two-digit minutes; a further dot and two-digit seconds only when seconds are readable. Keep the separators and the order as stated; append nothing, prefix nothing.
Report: 1.01
